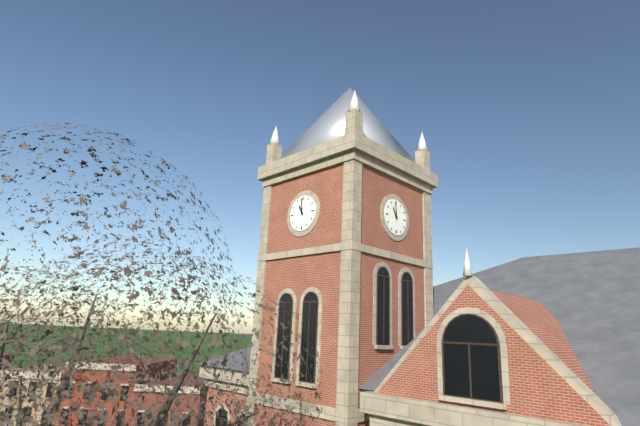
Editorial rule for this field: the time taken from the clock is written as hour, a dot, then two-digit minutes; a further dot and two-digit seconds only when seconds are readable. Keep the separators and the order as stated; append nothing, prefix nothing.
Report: 10.59
